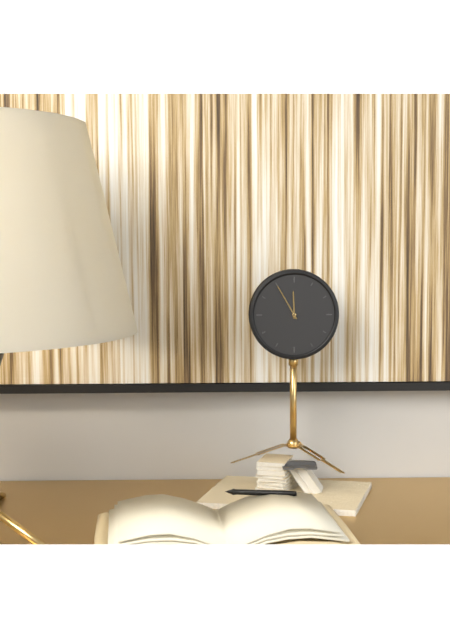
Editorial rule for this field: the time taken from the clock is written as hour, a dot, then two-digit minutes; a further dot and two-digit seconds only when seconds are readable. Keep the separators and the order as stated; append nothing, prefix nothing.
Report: 11.55
